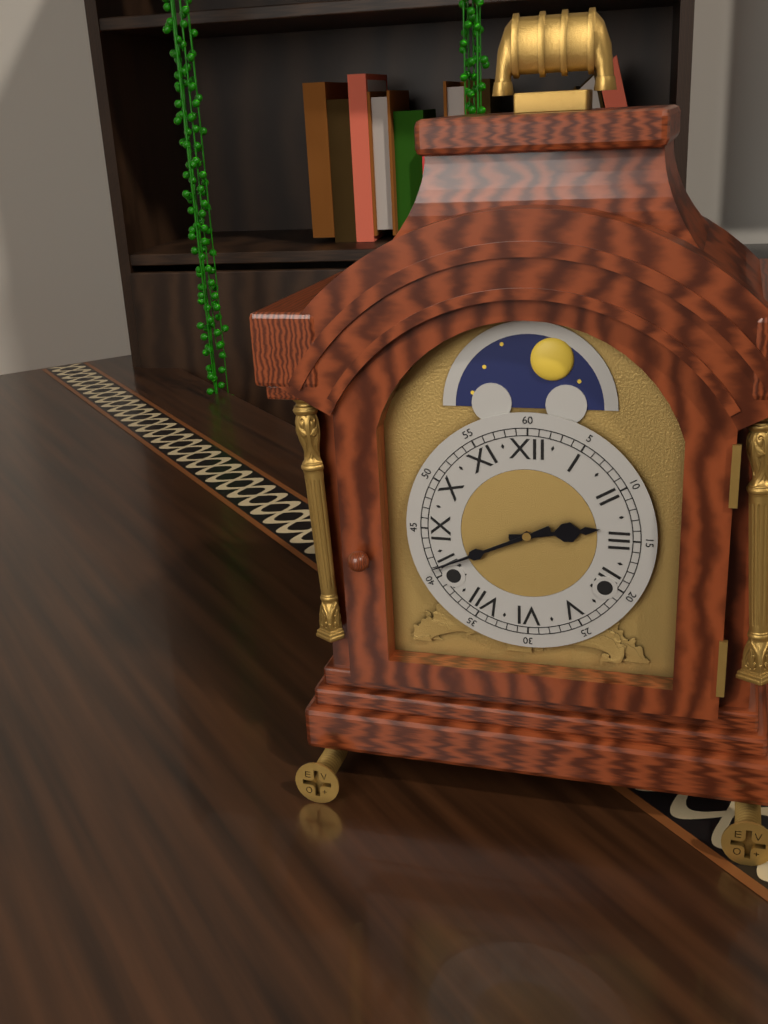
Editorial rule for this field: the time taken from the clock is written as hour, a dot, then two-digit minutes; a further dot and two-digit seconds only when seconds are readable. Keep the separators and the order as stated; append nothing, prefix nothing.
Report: 2.41
